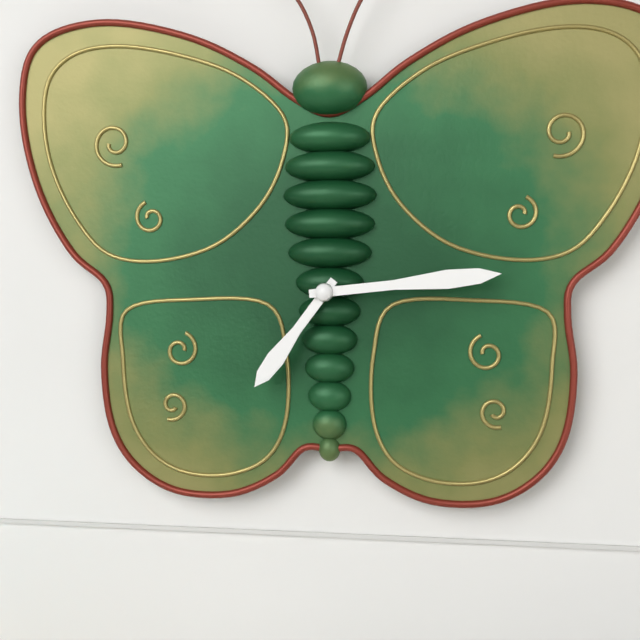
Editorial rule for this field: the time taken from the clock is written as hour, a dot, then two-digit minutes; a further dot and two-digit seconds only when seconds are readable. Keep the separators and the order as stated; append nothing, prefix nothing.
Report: 7.14
